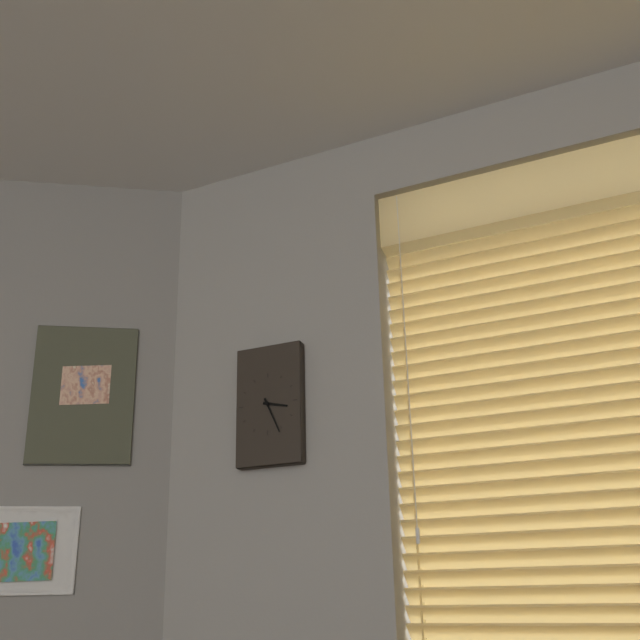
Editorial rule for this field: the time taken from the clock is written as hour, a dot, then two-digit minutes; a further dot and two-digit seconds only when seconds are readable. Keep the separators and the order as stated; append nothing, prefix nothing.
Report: 3.26
